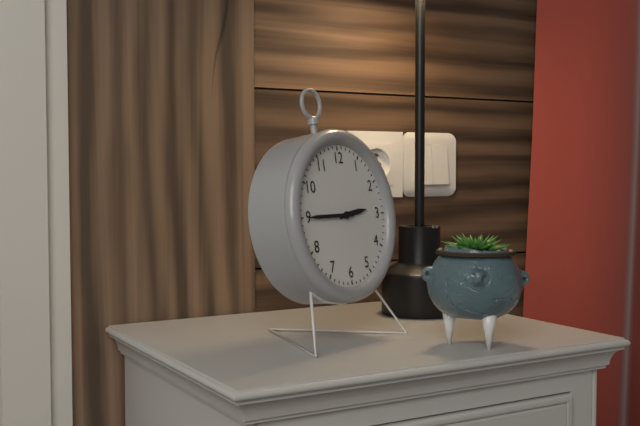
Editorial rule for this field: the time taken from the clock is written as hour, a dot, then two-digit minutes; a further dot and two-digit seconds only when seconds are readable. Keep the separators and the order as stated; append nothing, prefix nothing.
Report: 2.45
